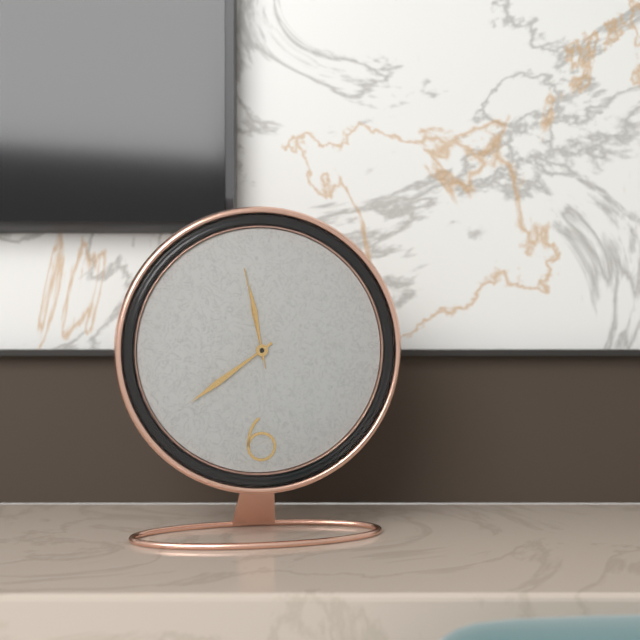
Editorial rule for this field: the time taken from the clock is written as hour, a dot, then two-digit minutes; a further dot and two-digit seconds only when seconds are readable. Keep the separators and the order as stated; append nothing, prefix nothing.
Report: 11.39.58
